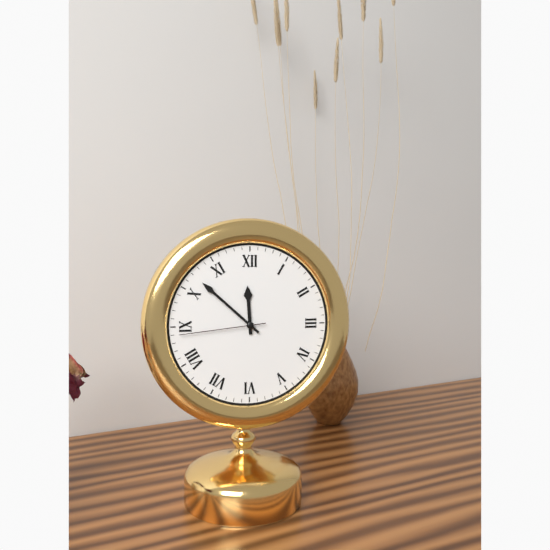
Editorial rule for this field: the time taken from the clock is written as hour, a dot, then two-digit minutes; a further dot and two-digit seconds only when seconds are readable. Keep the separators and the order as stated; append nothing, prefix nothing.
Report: 11.52.44
